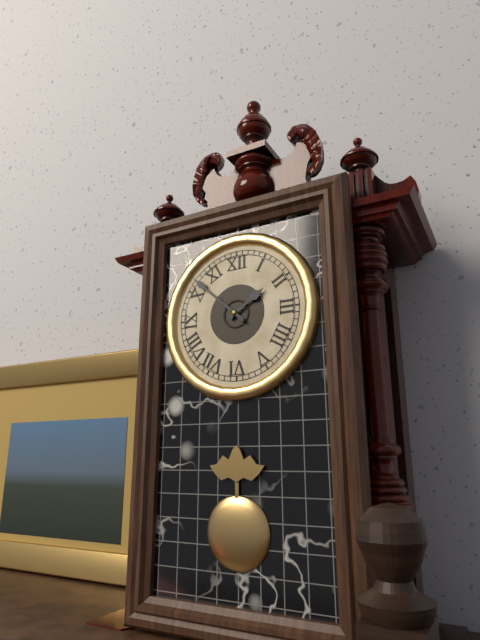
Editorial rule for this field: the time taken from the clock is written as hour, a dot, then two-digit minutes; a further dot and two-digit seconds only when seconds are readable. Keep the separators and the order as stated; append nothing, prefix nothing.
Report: 1.52
